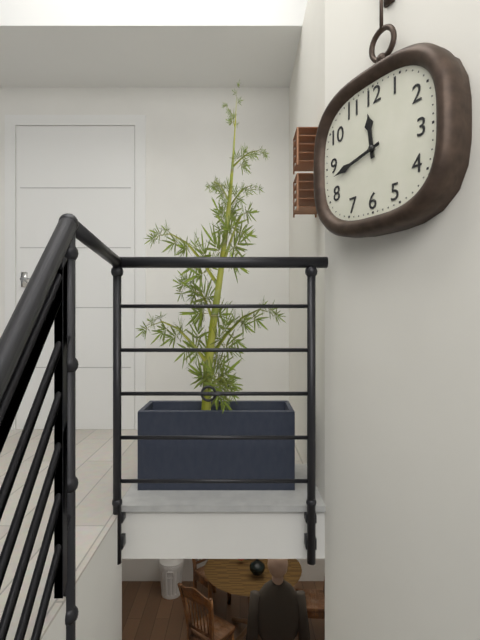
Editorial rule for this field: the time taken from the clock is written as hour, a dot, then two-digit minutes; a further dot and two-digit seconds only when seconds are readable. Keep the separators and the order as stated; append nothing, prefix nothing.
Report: 11.43
